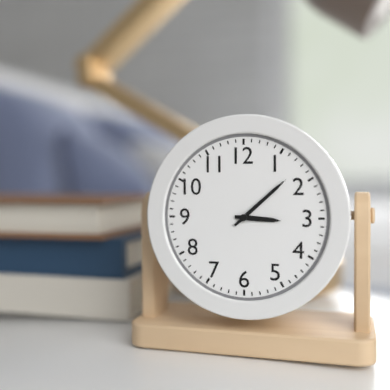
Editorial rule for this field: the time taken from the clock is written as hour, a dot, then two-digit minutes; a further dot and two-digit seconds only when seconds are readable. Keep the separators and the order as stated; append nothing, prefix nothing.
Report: 3.08
